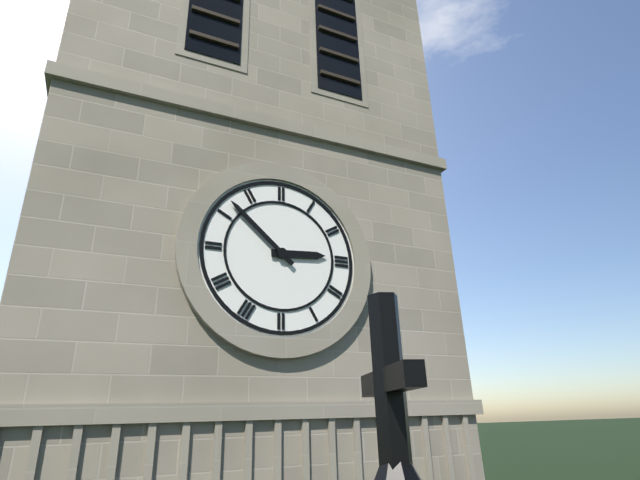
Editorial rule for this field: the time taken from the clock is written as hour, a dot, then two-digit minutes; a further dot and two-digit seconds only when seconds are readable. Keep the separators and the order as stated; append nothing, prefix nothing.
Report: 2.52
